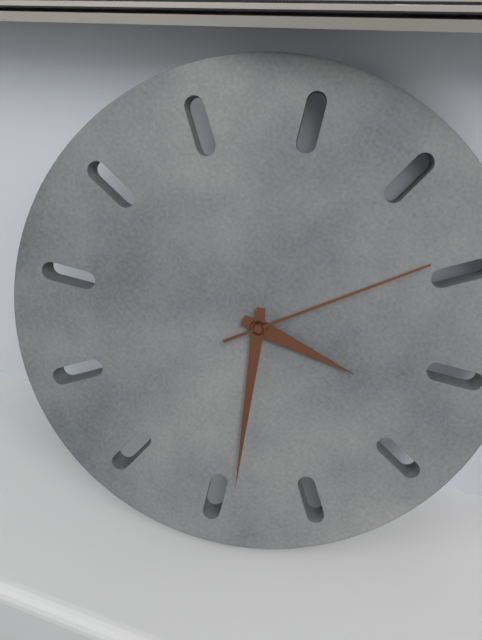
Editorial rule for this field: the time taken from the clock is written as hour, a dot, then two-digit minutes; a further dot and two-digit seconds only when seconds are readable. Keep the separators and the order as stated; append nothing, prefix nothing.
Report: 2.24.04
